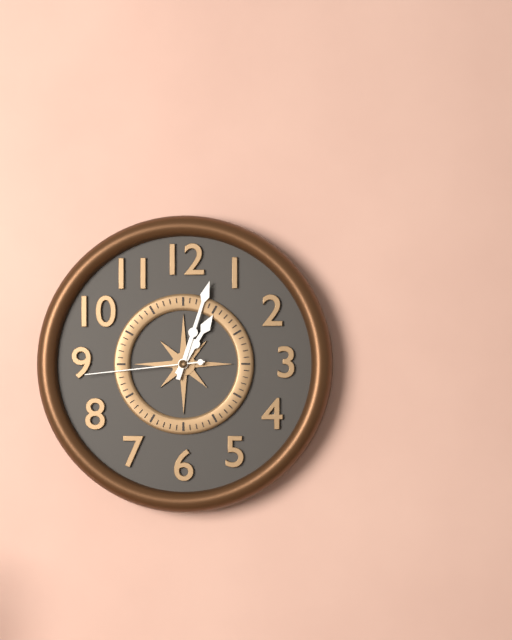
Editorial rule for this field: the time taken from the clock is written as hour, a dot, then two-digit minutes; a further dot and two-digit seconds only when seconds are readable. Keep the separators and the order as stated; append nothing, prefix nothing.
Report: 1.03.44
